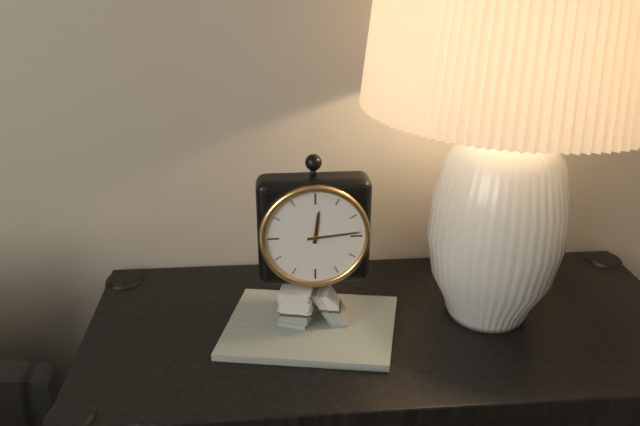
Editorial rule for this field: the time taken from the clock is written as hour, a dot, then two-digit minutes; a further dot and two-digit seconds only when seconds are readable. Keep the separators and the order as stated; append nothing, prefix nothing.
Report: 12.14
